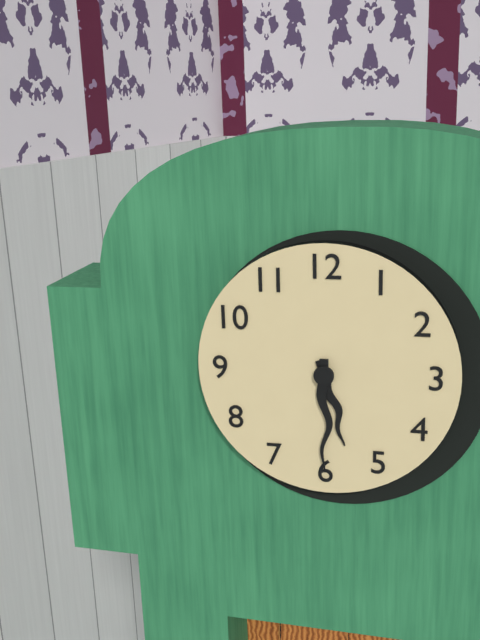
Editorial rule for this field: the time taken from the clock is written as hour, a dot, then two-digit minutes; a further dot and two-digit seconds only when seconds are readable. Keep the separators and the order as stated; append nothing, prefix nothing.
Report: 5.30
